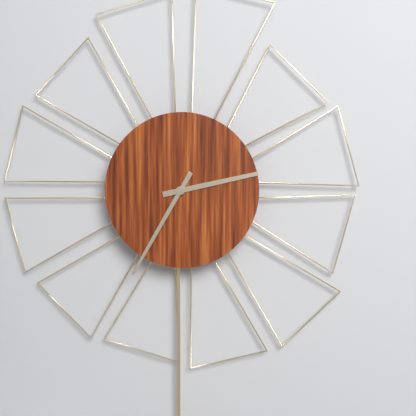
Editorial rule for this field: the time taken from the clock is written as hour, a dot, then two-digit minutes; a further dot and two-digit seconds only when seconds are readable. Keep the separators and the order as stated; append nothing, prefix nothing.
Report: 2.35
